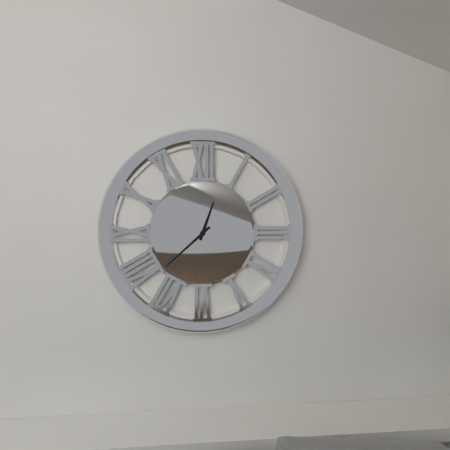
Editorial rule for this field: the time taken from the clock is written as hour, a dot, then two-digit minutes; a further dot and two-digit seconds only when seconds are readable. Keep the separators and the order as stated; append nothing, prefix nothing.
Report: 12.38
